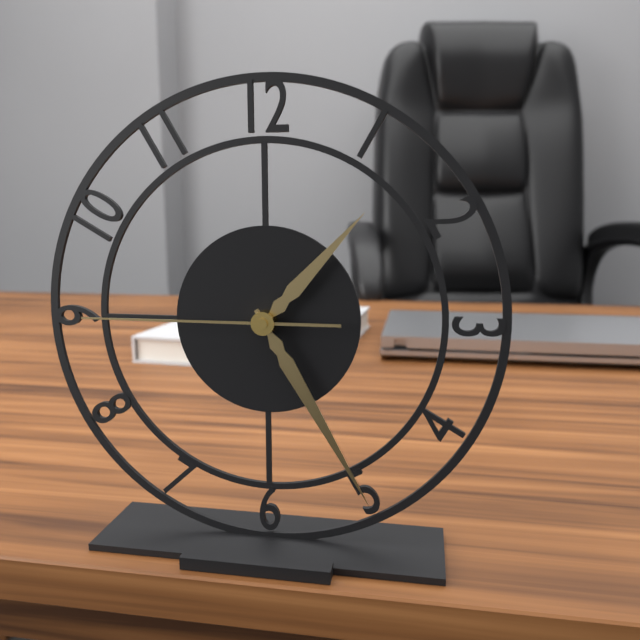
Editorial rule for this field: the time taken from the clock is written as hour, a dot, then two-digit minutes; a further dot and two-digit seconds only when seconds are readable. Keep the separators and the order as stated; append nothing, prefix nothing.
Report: 1.25.45
